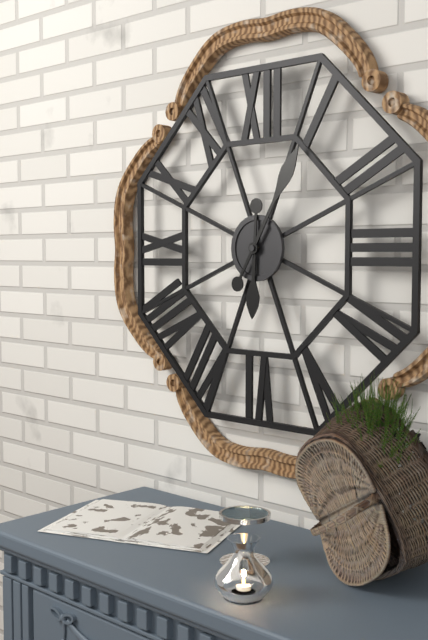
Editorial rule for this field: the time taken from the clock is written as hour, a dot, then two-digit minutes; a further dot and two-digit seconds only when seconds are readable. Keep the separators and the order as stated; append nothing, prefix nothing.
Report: 6.05
